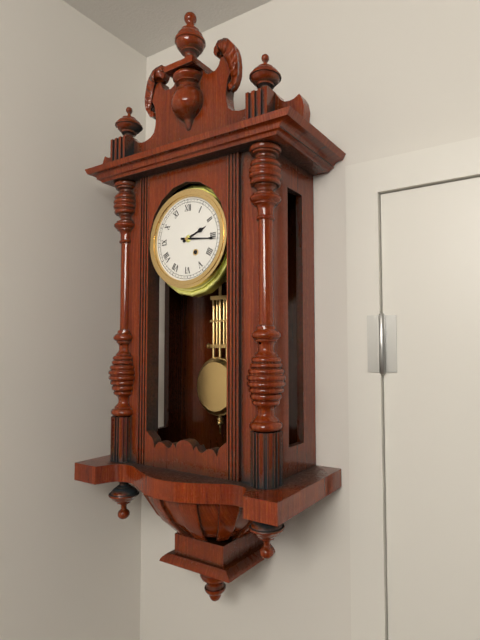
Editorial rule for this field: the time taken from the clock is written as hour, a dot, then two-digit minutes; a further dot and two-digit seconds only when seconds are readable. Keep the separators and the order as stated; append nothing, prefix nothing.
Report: 2.16
